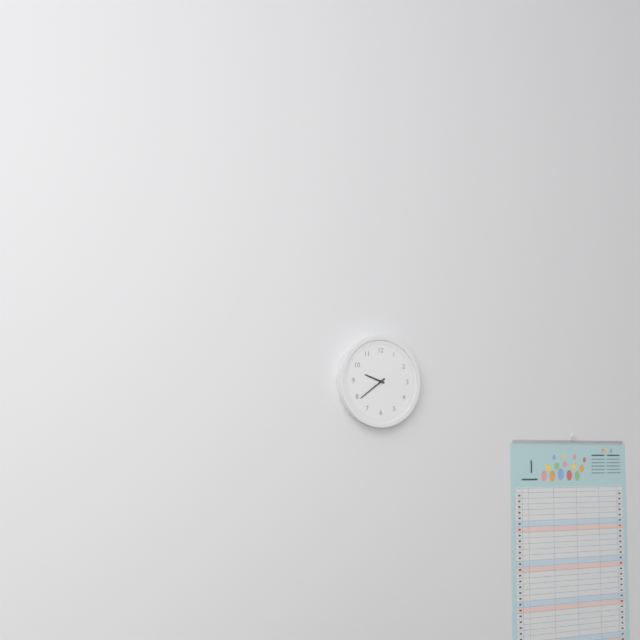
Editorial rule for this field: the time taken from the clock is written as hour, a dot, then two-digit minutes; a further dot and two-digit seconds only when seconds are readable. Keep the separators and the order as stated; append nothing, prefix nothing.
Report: 9.39
